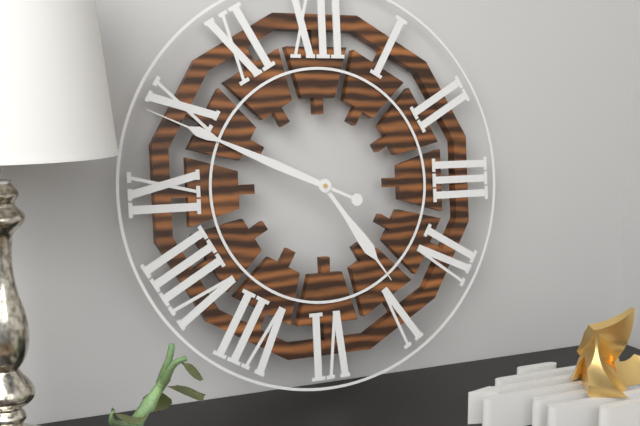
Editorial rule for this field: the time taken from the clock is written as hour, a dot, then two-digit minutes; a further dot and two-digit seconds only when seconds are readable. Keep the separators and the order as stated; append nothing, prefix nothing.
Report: 4.49
